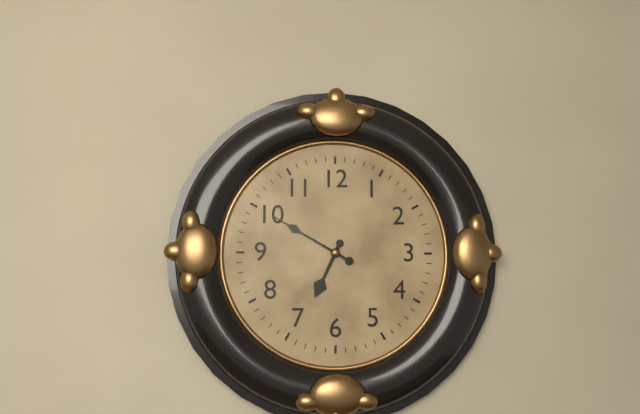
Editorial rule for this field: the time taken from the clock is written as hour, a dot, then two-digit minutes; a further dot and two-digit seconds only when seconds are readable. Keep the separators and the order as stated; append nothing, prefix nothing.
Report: 6.50
